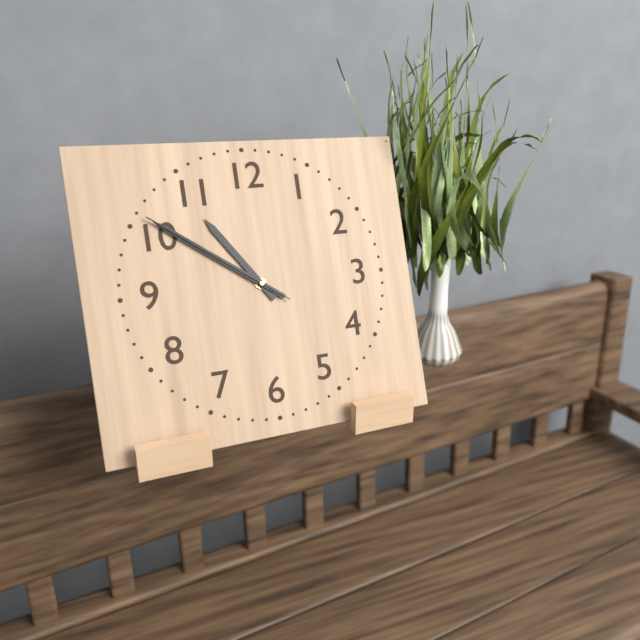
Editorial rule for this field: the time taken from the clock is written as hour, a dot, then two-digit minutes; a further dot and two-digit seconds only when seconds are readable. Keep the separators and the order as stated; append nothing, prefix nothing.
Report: 10.51.51
